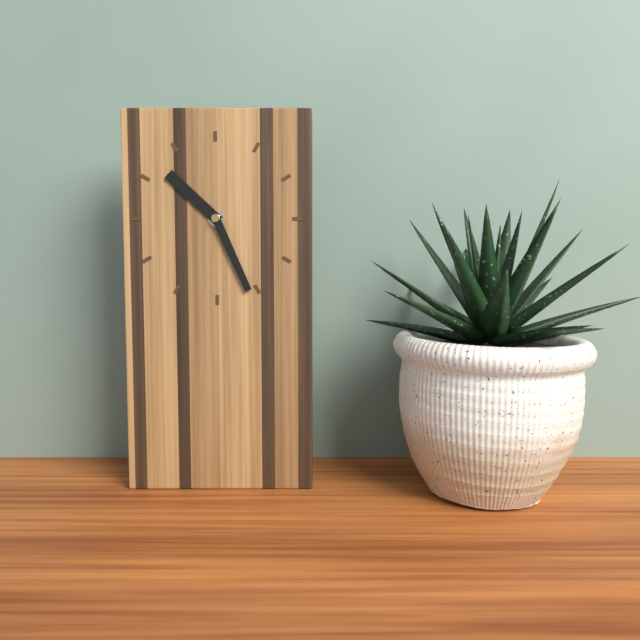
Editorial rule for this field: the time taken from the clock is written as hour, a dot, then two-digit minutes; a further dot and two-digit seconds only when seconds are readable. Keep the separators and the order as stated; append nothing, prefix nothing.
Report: 10.26
